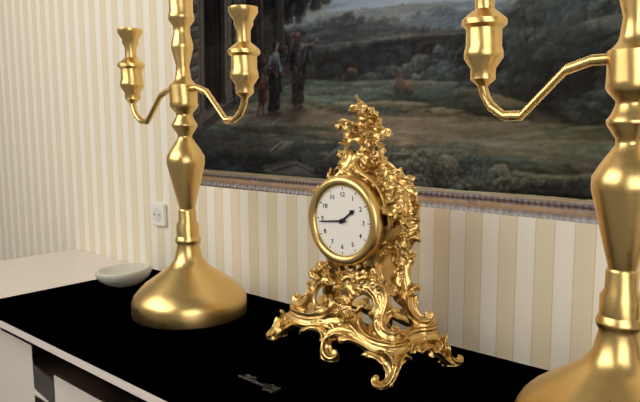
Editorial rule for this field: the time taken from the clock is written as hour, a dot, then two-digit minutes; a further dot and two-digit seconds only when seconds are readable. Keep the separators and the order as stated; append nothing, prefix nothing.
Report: 1.44
